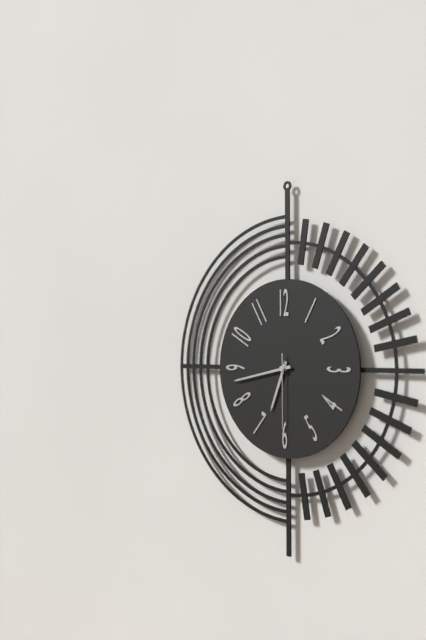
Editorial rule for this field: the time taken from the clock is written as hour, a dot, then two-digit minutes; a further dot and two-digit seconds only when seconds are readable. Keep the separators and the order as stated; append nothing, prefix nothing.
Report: 6.43.30
